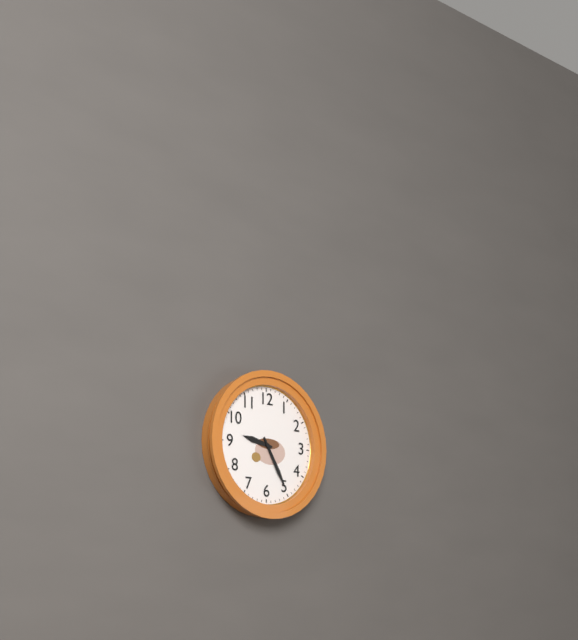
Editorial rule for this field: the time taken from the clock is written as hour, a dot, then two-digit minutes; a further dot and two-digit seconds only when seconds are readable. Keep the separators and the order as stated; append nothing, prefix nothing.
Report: 9.25
